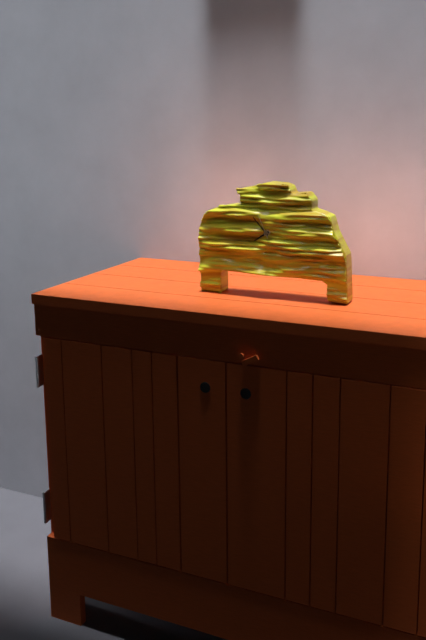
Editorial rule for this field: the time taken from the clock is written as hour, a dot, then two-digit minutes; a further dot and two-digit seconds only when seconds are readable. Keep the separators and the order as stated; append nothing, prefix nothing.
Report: 7.53
